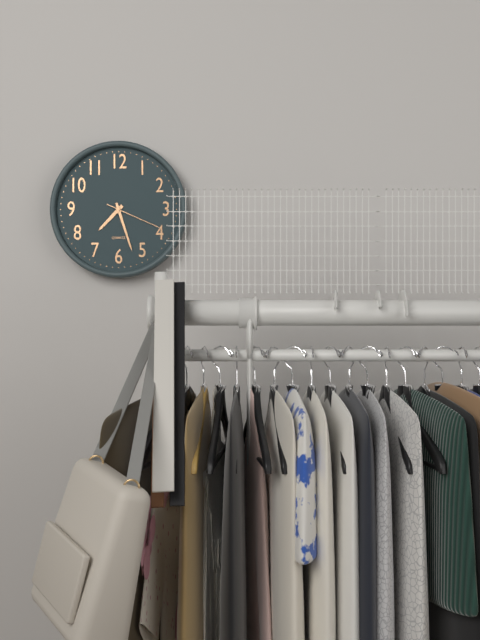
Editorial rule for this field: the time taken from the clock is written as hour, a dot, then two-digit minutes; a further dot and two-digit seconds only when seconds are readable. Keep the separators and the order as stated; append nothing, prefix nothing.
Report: 7.27.19
